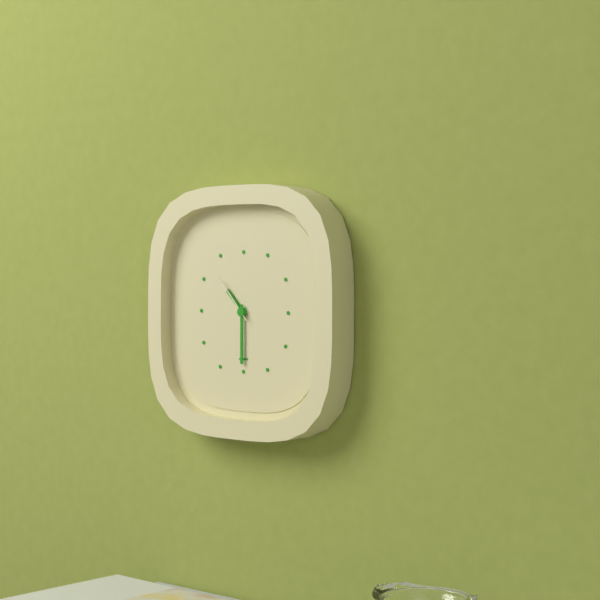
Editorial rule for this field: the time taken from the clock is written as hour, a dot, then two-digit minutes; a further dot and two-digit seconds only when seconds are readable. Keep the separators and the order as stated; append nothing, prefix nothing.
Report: 10.30.53
